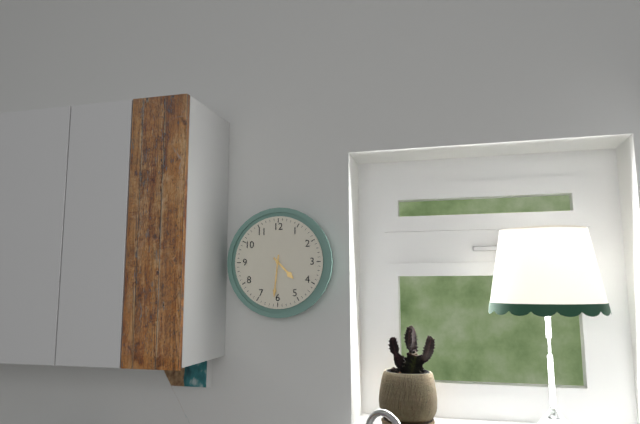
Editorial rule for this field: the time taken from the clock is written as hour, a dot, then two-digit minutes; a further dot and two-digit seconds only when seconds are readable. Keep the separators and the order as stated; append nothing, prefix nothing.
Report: 4.31
